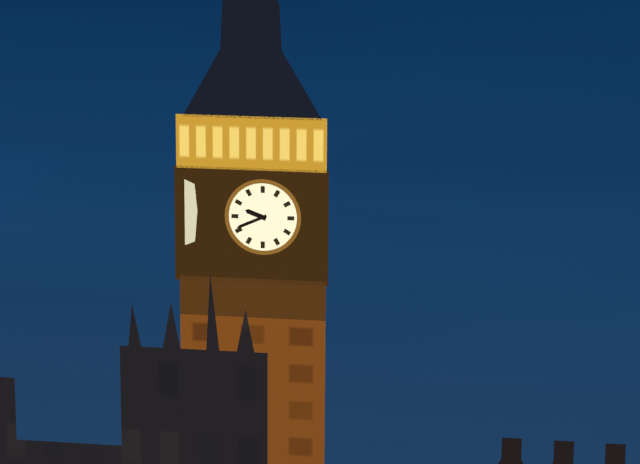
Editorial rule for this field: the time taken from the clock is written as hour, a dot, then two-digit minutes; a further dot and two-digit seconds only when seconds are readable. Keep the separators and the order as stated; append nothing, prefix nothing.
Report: 9.41
